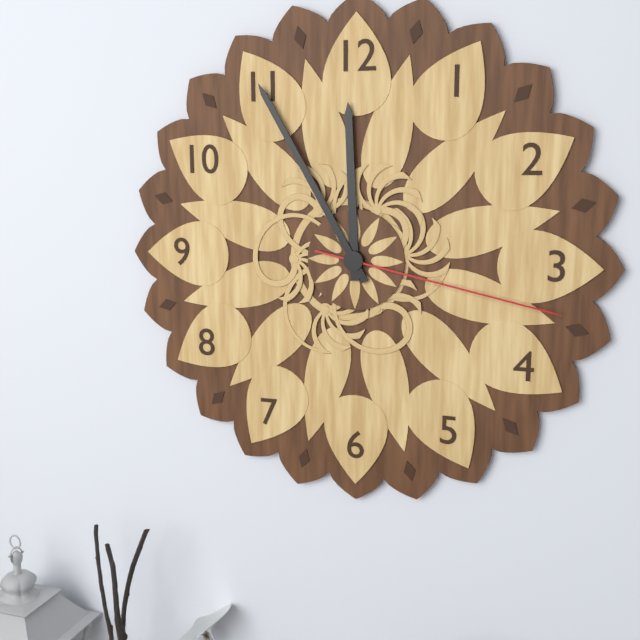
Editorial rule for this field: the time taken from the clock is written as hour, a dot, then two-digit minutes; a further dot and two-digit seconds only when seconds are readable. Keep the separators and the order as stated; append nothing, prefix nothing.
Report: 11.55.17
